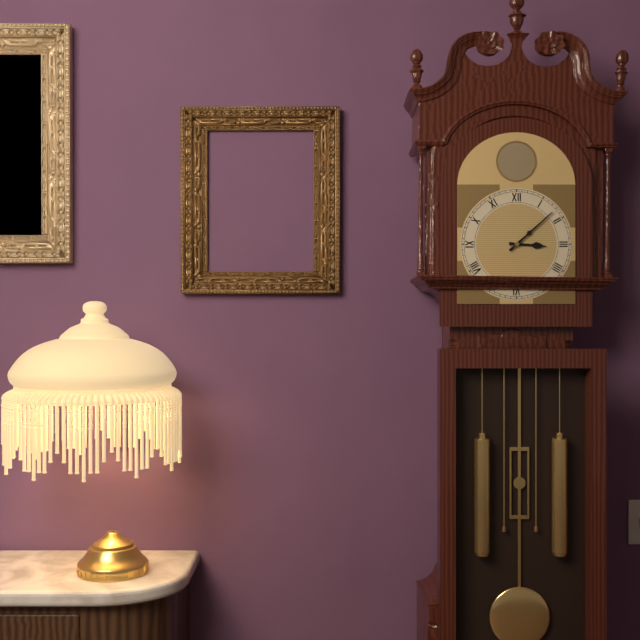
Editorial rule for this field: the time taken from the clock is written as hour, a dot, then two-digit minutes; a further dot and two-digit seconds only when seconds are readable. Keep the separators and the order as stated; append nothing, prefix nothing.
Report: 3.08
